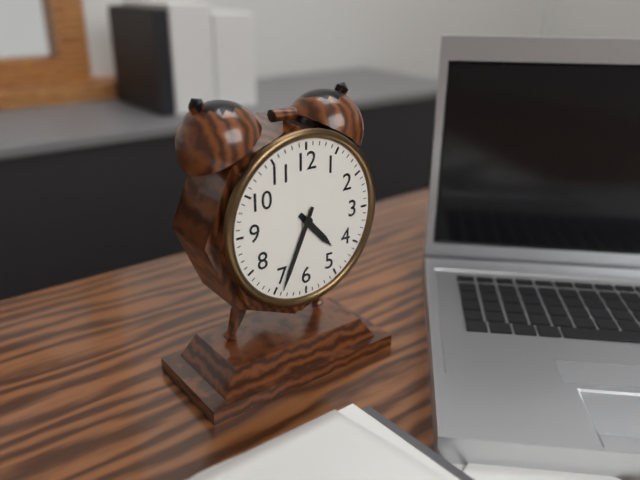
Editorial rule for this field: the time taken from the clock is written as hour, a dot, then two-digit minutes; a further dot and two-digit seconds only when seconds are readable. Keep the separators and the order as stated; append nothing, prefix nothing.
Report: 4.34
